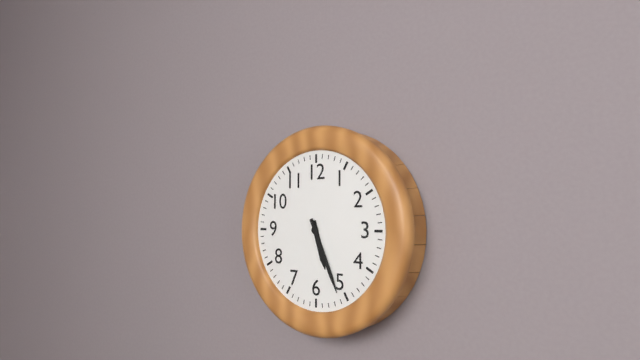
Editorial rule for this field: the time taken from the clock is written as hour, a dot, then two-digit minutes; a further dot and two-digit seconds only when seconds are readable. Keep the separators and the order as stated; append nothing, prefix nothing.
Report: 5.26
